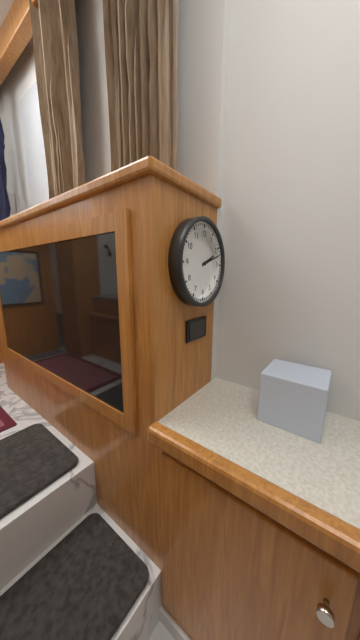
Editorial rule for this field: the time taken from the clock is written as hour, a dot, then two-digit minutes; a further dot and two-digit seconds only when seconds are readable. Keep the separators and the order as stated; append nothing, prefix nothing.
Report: 2.12
